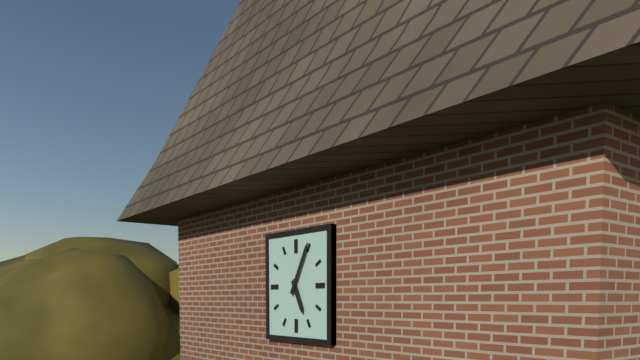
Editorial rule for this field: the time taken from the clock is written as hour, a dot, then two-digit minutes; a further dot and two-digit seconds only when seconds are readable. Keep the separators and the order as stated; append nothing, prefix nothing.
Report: 5.05
